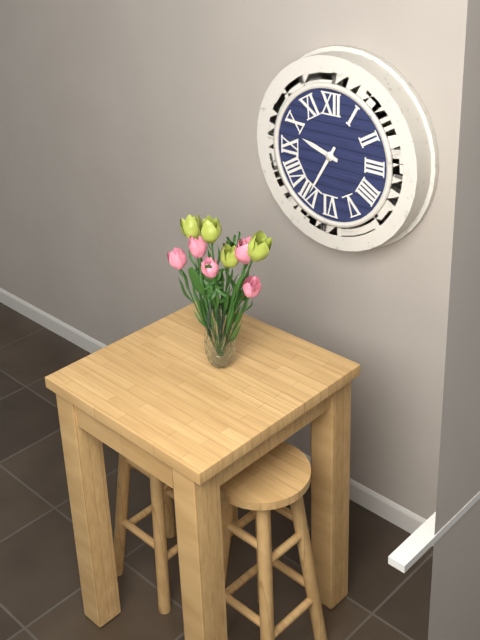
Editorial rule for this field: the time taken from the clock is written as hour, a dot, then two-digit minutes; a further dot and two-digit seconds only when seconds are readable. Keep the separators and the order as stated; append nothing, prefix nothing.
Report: 9.35
